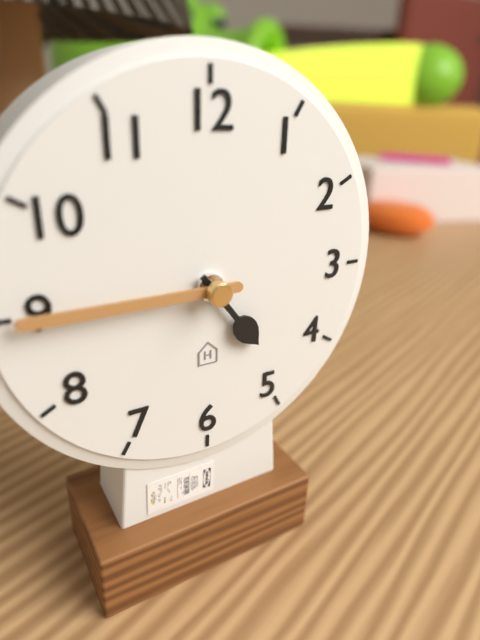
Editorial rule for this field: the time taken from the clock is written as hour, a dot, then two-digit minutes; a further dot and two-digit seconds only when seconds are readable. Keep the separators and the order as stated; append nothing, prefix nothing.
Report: 4.45
